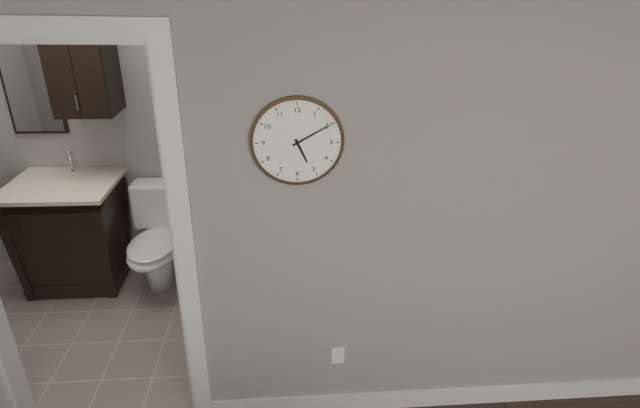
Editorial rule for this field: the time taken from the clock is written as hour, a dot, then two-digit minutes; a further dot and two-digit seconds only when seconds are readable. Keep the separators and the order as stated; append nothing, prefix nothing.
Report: 5.10
